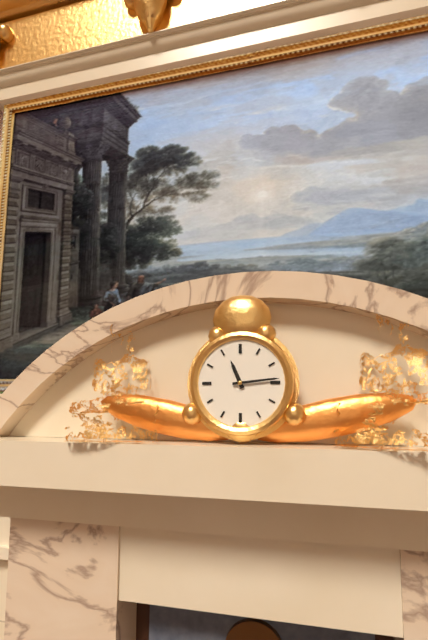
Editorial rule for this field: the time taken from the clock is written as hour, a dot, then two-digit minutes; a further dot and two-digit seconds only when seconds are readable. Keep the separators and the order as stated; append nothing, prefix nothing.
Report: 11.14
